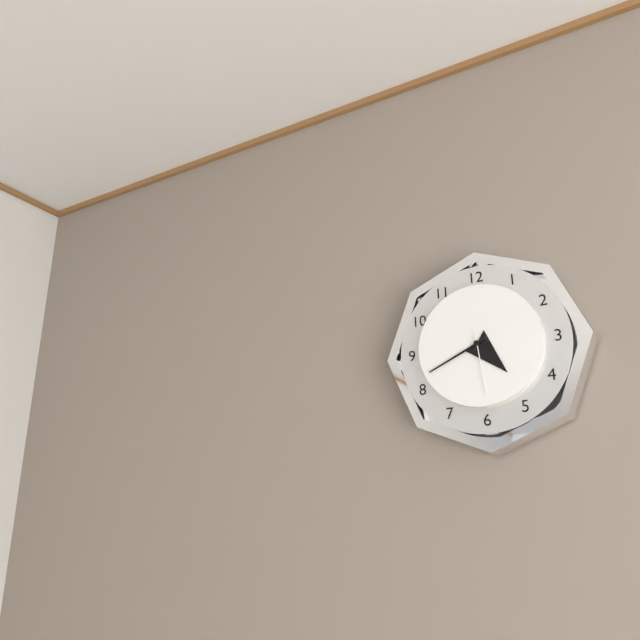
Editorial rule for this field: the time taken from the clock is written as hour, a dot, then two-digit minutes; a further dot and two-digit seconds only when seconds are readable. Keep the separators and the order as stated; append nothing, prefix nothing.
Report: 4.41.29
